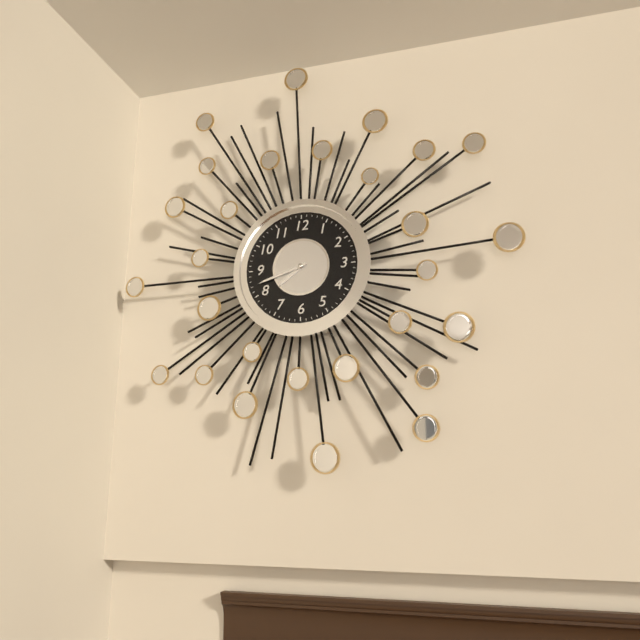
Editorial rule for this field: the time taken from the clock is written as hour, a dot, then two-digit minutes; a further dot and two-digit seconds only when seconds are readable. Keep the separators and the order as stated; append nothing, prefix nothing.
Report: 7.42
